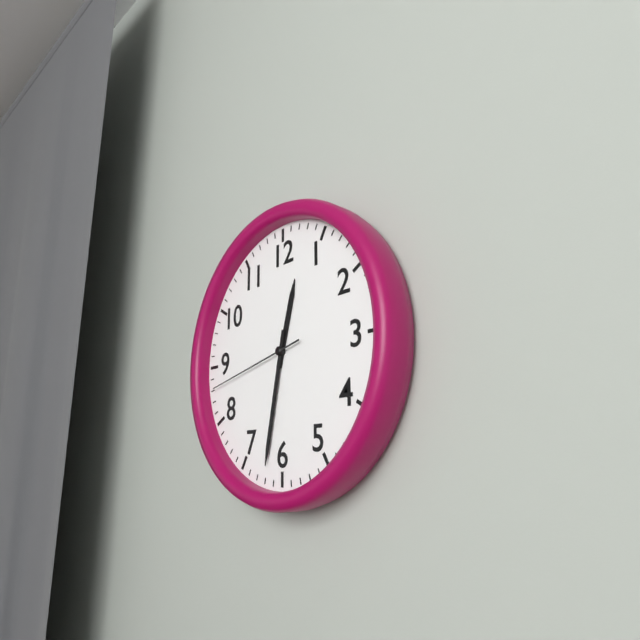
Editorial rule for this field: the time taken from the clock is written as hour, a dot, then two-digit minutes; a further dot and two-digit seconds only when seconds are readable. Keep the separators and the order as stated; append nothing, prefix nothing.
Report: 12.32.43
